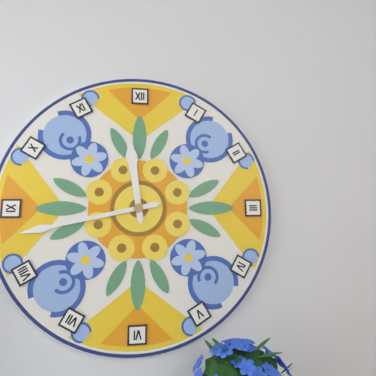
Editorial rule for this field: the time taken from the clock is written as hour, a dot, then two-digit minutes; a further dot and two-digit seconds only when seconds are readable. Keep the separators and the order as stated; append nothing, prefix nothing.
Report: 11.43
